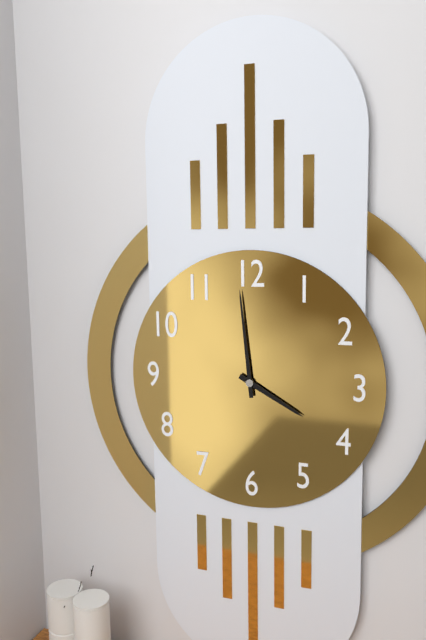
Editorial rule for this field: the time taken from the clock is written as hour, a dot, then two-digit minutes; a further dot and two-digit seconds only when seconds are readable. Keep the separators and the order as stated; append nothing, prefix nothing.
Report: 3.59
